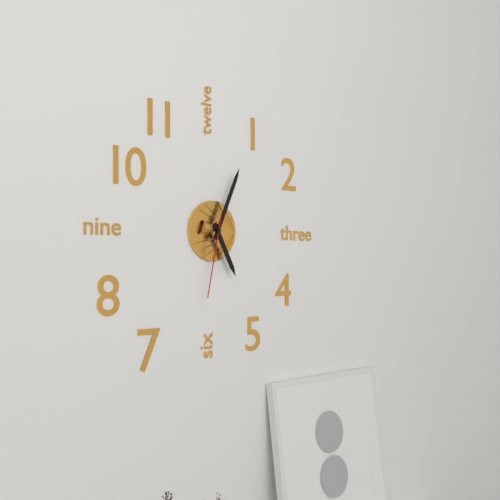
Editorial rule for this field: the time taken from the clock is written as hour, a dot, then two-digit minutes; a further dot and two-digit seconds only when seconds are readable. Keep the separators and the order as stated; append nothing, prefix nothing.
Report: 5.04.32
